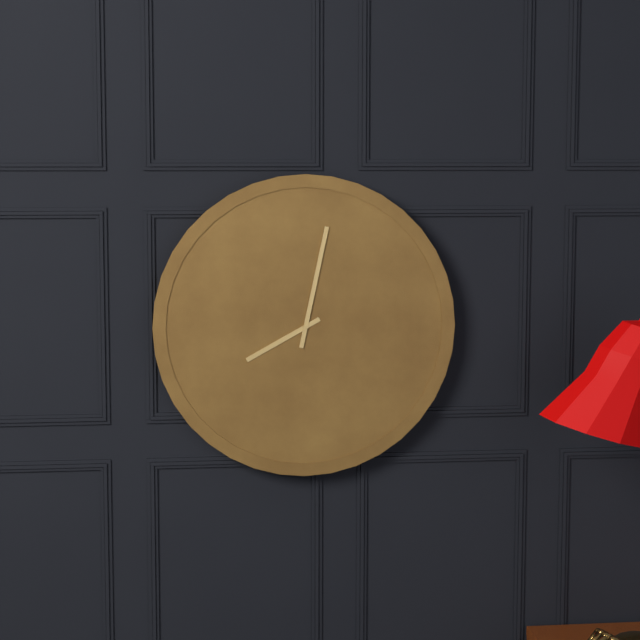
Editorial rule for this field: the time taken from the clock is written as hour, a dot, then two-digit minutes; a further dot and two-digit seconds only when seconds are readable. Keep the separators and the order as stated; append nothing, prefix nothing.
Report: 8.02
